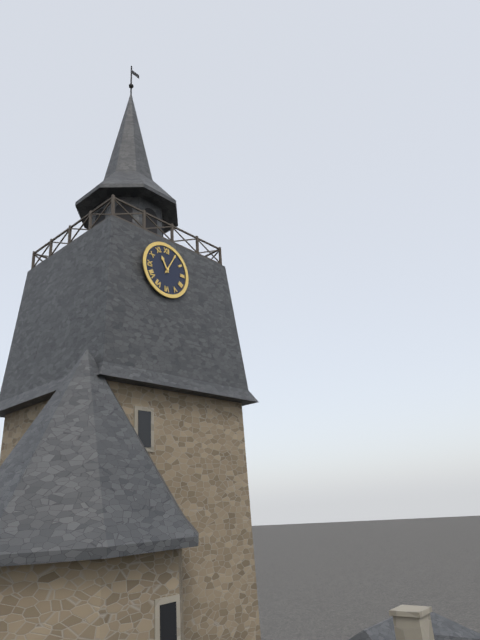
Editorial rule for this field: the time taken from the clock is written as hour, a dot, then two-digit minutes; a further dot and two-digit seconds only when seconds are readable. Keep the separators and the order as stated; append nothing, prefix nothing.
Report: 11.05
